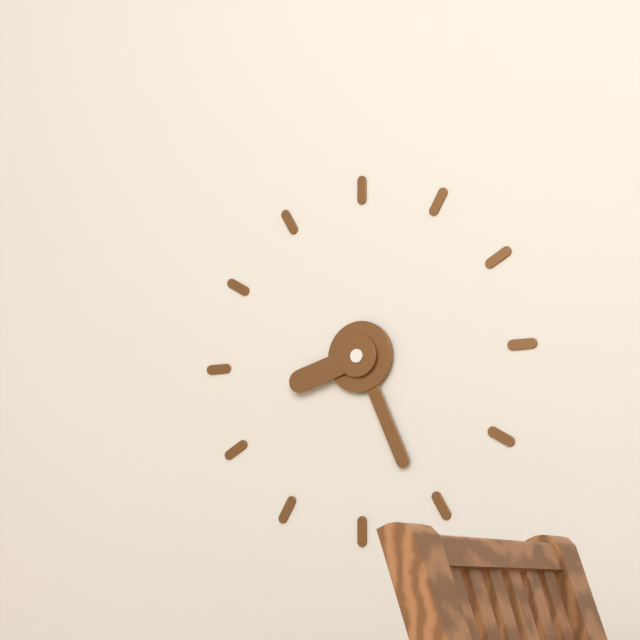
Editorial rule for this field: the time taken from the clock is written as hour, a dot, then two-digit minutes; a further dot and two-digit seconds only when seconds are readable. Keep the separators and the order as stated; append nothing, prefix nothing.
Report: 8.26
